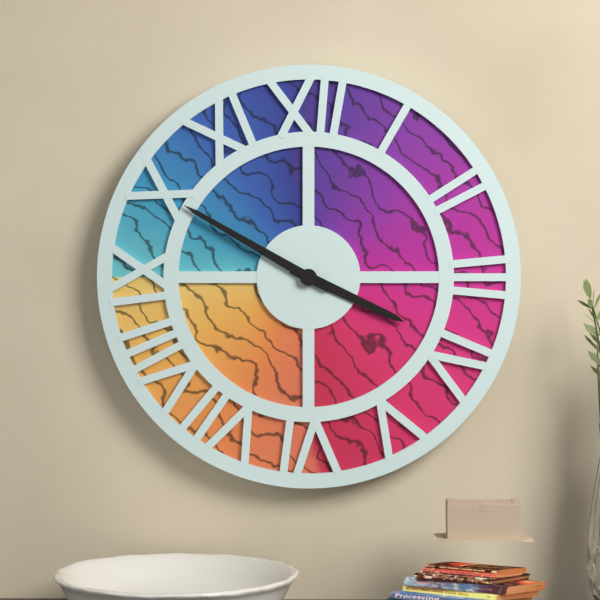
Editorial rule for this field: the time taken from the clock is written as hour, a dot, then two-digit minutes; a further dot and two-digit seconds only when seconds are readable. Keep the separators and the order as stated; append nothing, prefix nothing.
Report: 3.50
